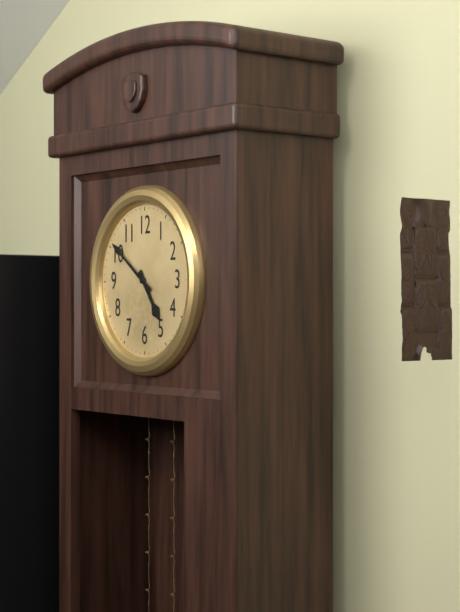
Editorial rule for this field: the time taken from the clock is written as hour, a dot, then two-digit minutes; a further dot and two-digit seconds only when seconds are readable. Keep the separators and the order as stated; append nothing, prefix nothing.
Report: 4.51
